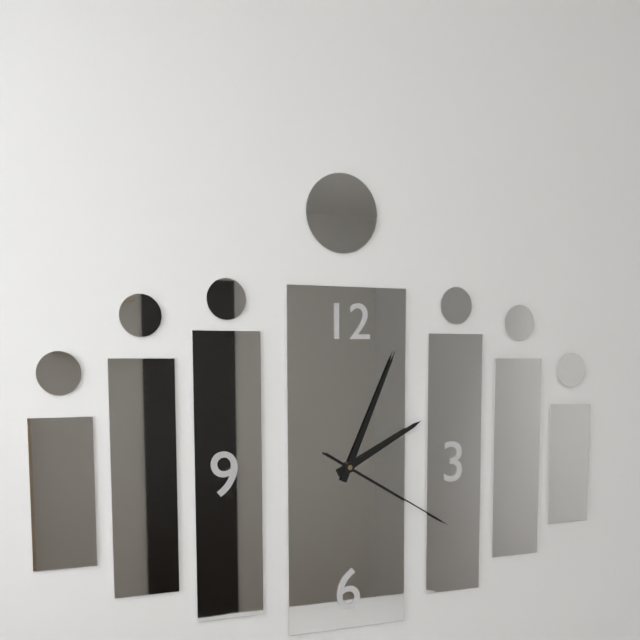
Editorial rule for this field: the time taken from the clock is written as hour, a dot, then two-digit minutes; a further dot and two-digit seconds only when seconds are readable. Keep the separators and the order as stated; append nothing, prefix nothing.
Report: 2.04.20
